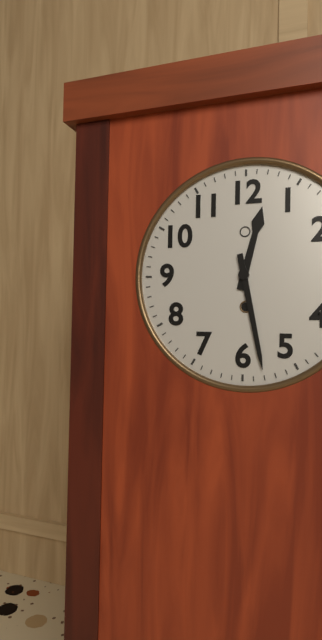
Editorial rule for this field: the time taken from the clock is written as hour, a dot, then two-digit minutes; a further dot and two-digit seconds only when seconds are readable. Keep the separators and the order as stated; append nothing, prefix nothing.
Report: 12.28
